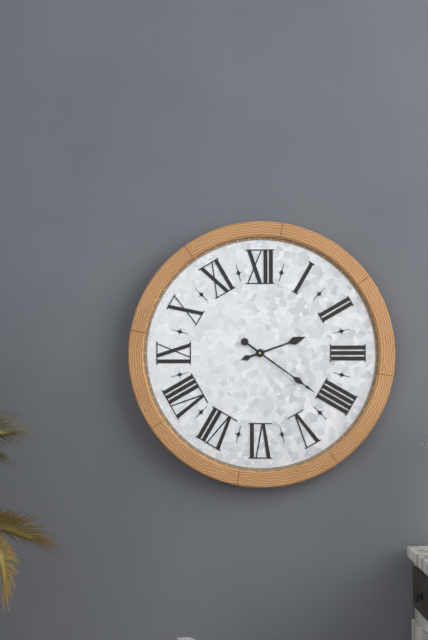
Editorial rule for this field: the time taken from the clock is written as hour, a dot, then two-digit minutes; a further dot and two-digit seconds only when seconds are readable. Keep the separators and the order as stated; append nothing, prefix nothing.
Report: 2.21
